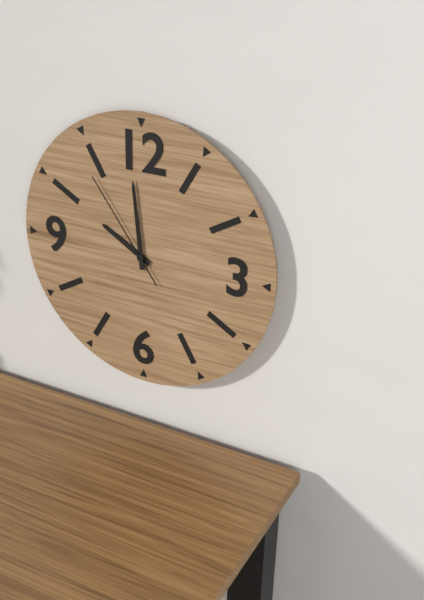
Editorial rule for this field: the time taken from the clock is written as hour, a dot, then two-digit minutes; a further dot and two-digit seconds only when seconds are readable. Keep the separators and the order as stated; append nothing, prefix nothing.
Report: 9.59.54
